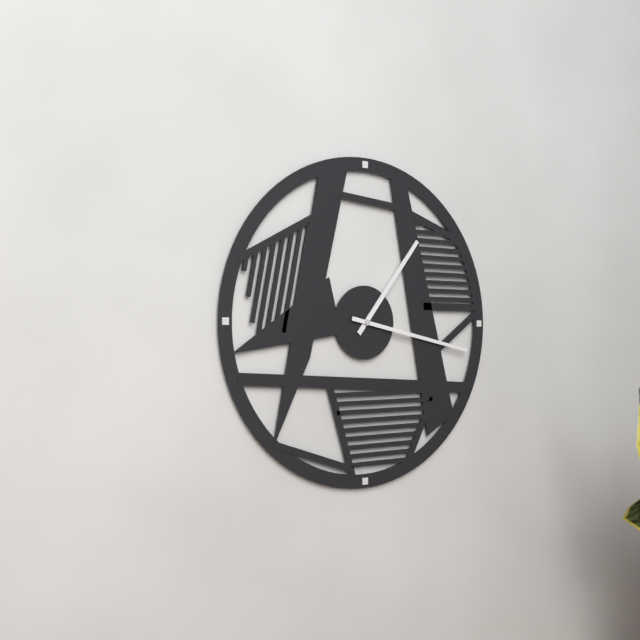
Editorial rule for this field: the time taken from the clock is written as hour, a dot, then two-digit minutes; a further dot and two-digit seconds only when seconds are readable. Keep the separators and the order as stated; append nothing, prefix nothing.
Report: 1.17
